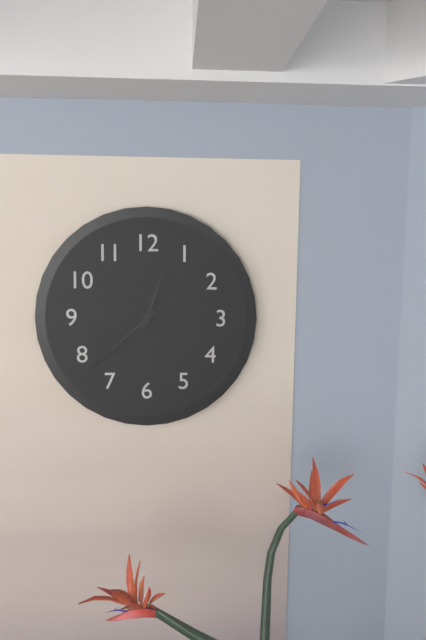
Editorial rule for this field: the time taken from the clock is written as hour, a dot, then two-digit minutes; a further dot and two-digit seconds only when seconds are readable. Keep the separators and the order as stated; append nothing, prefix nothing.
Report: 12.38
